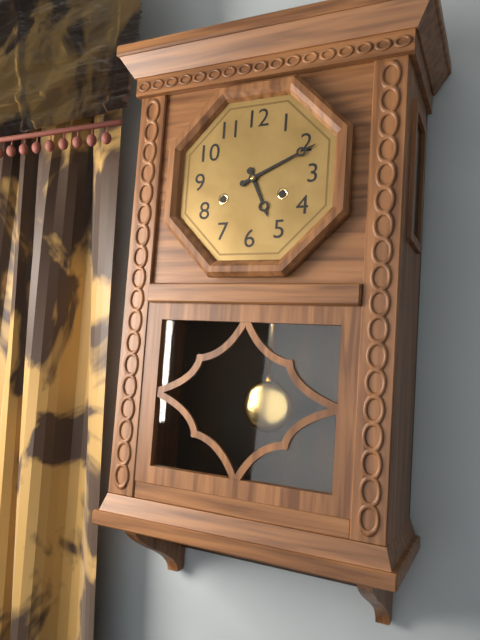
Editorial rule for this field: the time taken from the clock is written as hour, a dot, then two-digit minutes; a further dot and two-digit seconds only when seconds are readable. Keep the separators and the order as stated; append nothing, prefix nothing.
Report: 5.11
